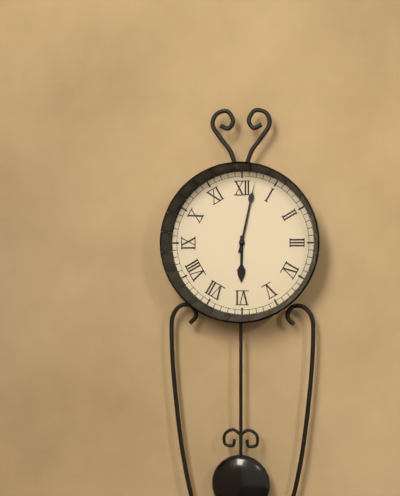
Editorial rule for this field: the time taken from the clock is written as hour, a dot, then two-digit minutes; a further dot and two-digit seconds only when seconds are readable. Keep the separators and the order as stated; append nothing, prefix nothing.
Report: 6.02
